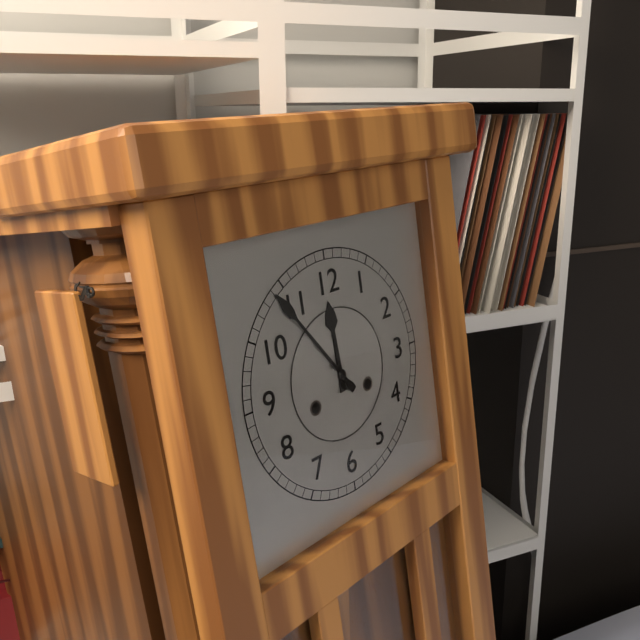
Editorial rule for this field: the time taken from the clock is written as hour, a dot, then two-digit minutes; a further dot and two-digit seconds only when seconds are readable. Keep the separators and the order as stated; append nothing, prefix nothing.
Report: 11.54
